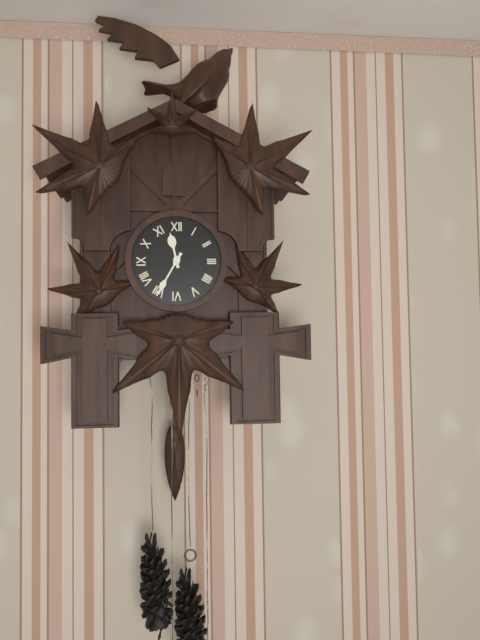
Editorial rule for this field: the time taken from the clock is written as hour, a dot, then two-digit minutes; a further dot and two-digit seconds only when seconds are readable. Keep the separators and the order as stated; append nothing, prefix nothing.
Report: 11.35
